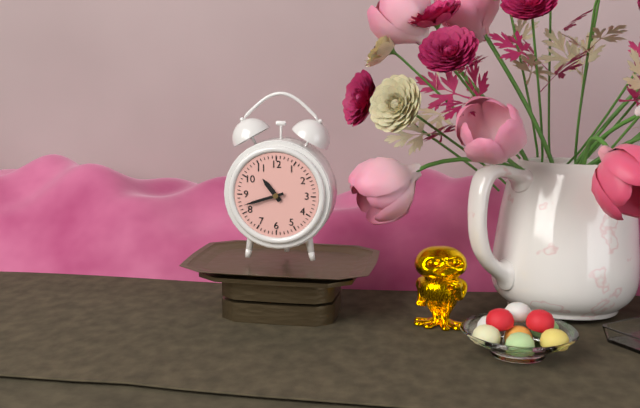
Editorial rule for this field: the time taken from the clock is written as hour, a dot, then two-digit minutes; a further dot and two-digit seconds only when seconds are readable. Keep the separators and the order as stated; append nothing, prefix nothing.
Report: 10.42
